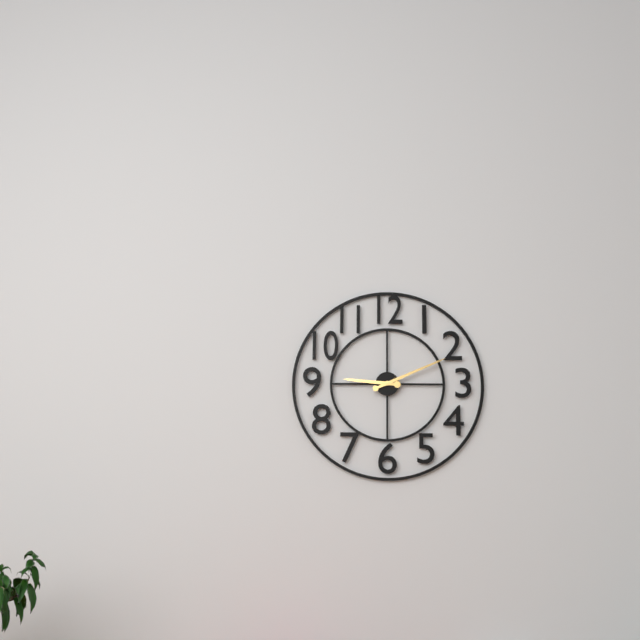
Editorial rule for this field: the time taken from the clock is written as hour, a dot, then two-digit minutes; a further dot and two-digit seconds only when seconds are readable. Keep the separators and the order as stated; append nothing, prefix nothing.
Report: 9.11
